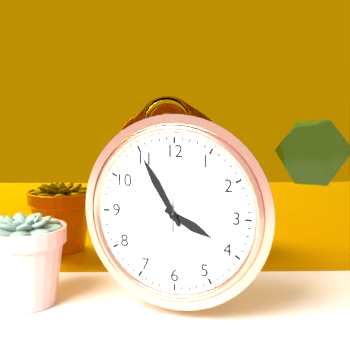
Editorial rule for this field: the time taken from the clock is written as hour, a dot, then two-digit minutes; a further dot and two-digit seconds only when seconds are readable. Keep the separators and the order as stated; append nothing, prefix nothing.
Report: 3.55.00
